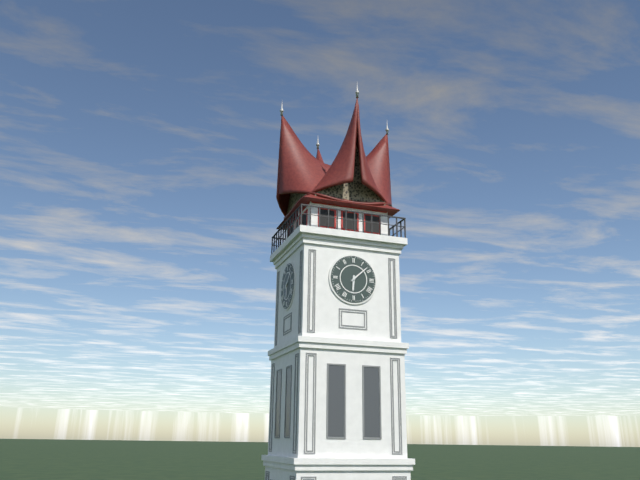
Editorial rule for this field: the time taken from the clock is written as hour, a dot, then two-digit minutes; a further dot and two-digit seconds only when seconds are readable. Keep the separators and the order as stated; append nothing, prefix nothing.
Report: 6.08
